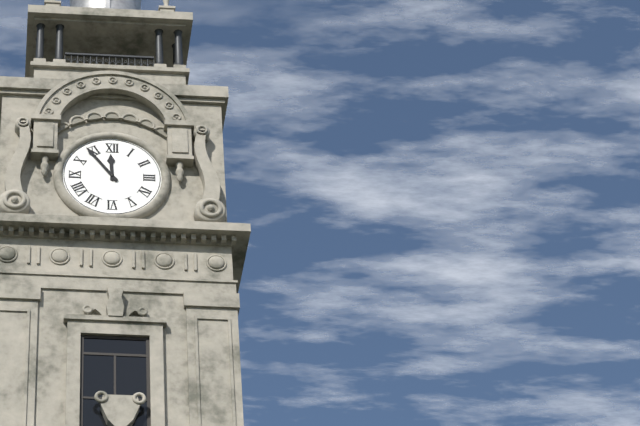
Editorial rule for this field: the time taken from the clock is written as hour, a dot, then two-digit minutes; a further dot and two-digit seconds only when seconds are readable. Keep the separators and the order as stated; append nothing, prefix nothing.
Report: 11.54
